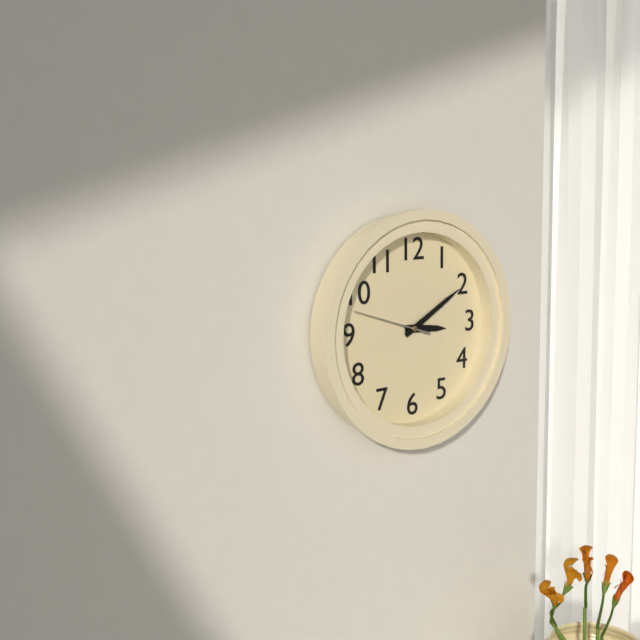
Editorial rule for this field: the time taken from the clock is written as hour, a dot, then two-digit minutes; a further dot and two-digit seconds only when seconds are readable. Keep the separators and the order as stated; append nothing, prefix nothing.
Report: 3.10.48
